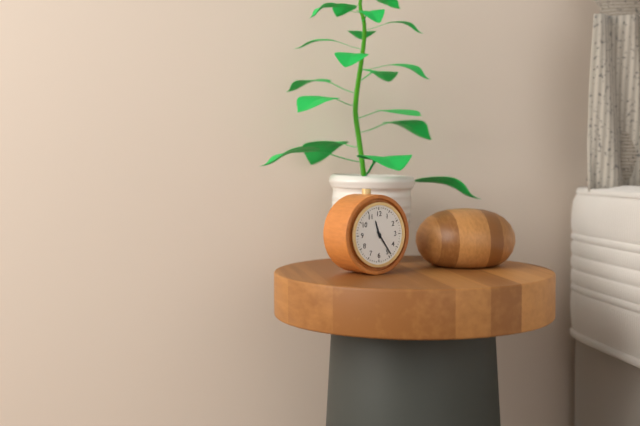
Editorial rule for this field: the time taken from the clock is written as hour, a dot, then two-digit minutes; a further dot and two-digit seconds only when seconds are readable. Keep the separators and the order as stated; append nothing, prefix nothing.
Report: 11.24
